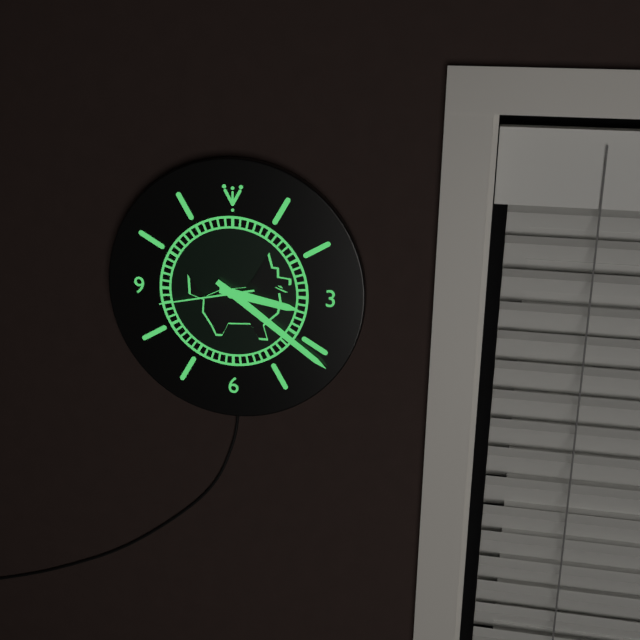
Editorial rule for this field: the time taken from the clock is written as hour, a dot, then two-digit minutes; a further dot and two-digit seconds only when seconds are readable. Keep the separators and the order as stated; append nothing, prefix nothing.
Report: 3.21.43
